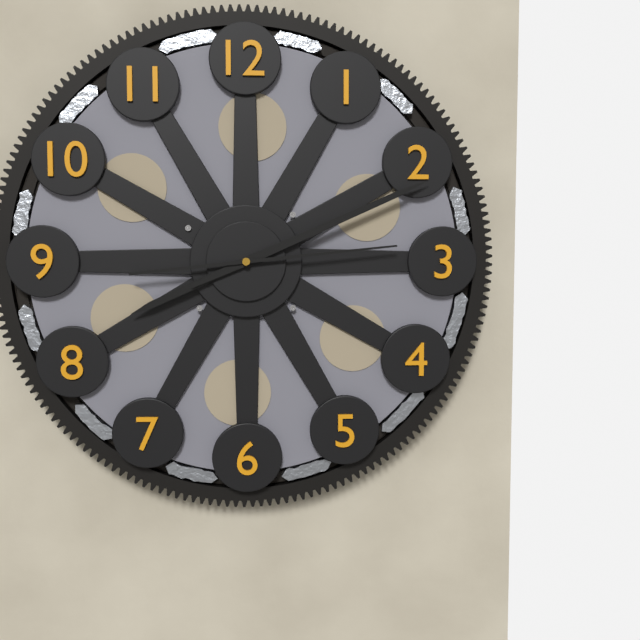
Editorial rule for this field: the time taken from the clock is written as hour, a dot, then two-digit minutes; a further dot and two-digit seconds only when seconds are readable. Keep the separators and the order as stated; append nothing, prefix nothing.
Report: 8.11.14
